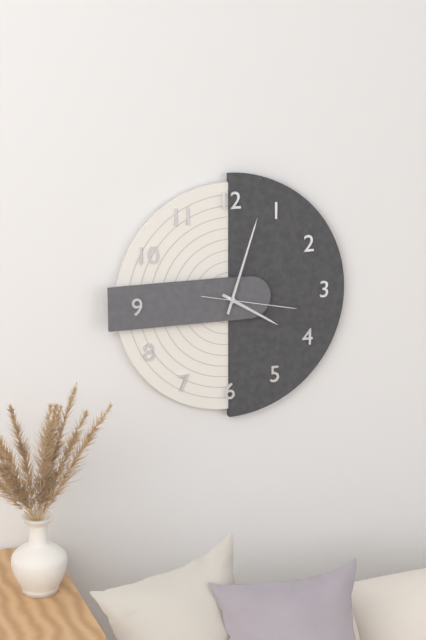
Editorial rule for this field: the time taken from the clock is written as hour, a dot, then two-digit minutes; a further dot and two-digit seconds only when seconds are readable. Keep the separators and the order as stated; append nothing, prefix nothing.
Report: 4.03.17
